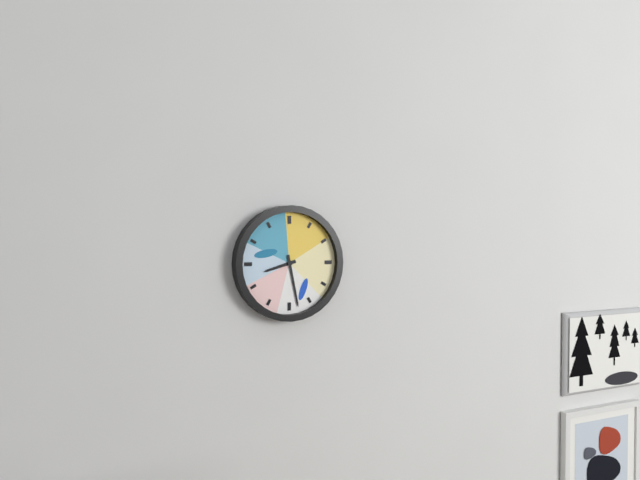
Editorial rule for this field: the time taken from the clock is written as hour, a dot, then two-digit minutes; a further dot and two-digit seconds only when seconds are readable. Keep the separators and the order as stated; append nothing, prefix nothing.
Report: 8.28
